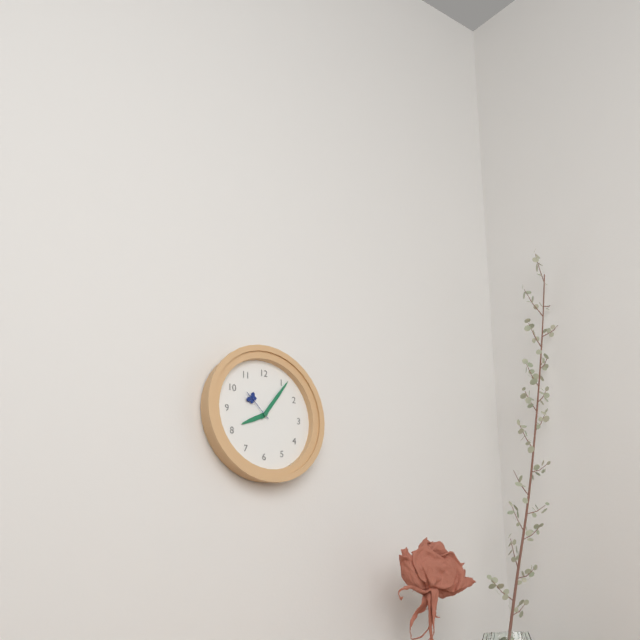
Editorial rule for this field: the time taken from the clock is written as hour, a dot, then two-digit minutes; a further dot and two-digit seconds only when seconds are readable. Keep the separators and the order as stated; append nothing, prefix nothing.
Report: 8.06
